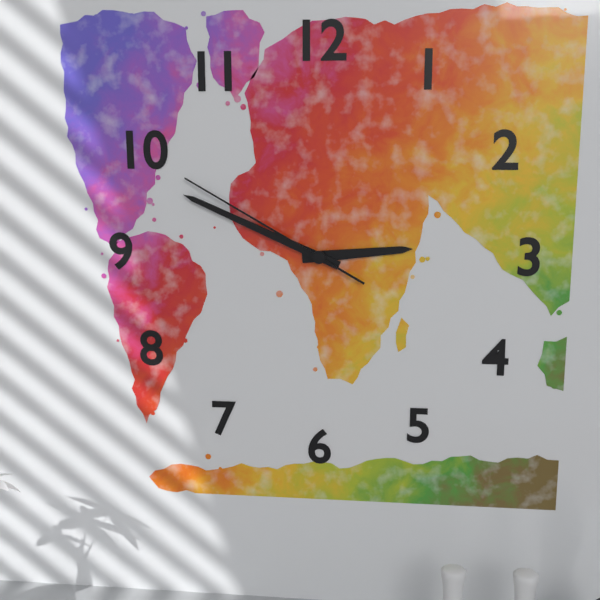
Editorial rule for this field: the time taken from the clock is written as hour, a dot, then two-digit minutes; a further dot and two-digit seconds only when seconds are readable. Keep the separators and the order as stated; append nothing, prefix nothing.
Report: 2.49.50
